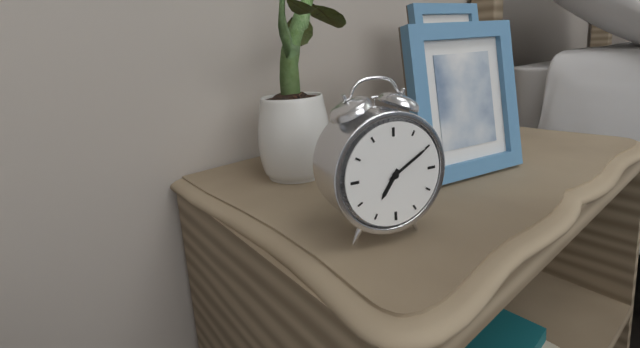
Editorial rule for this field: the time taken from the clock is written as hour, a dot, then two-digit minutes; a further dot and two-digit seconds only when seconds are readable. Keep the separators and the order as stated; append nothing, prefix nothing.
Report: 7.10
